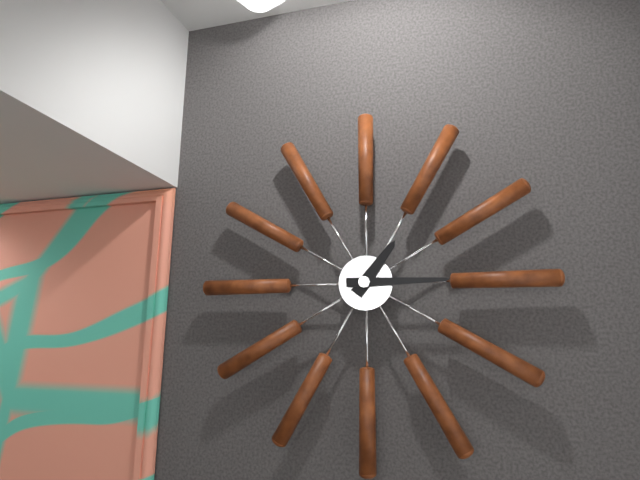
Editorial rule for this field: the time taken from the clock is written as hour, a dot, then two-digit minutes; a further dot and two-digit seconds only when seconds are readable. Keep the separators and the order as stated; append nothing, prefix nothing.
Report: 1.15
